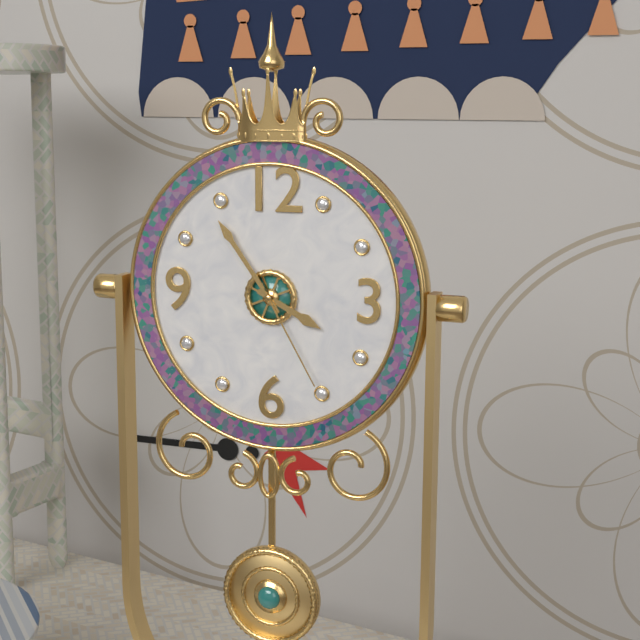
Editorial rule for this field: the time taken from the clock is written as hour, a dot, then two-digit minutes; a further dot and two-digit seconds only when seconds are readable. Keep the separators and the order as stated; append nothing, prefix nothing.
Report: 3.54.25
